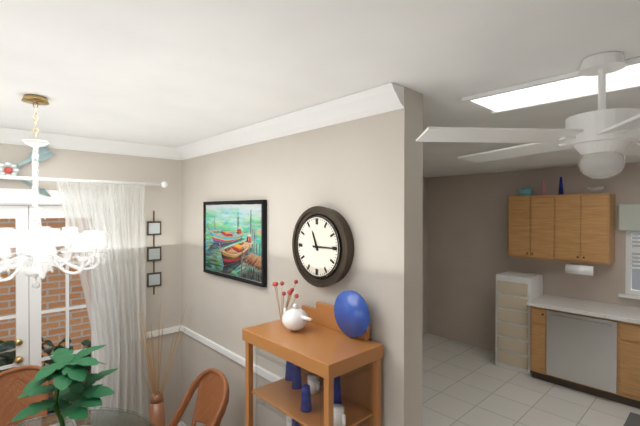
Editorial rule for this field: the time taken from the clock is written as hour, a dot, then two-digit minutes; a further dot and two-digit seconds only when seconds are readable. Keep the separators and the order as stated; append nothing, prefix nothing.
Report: 11.15
